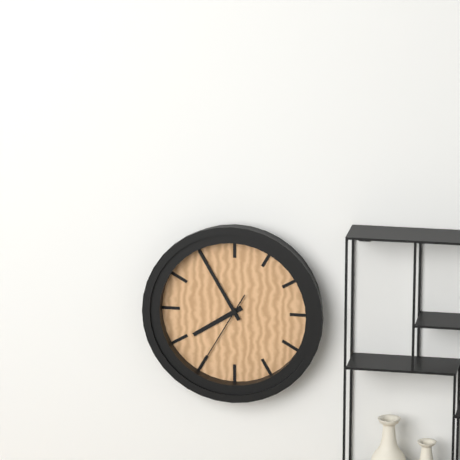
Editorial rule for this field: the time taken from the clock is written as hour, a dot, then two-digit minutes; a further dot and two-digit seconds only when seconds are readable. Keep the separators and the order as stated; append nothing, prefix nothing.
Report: 7.55.35
